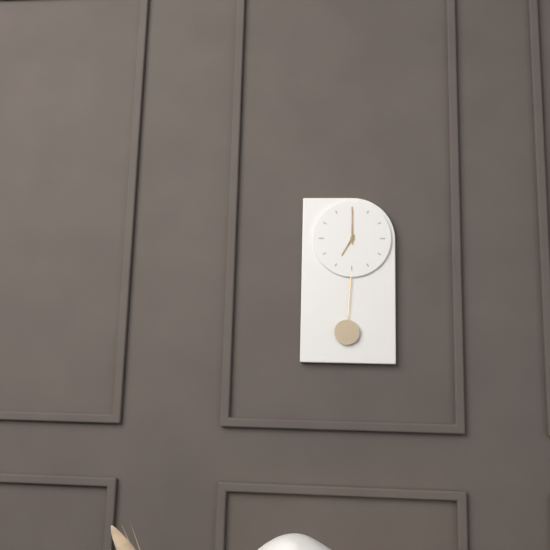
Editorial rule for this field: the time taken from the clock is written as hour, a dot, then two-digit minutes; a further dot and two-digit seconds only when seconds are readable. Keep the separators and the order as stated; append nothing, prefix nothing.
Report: 7.00
